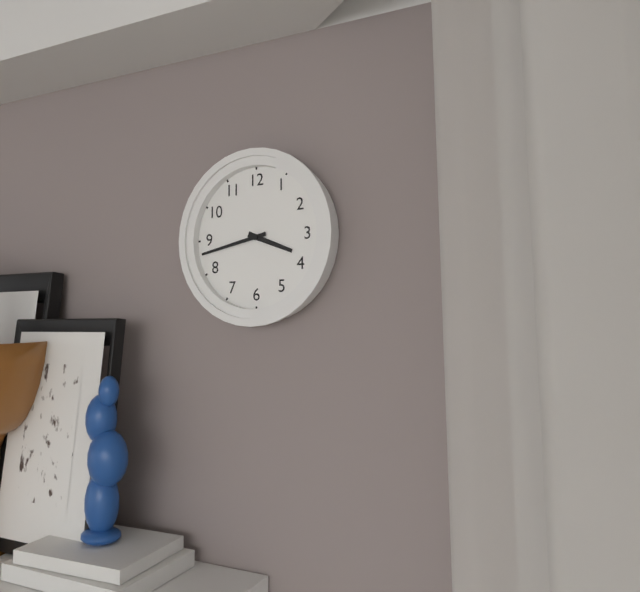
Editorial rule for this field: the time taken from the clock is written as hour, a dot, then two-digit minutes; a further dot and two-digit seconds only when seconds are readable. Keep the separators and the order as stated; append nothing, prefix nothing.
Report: 3.43
